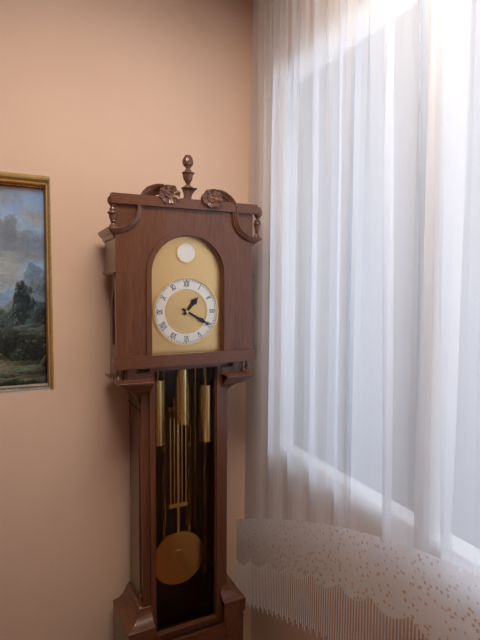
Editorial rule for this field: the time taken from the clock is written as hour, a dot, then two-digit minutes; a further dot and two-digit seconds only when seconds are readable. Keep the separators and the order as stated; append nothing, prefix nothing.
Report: 1.20
